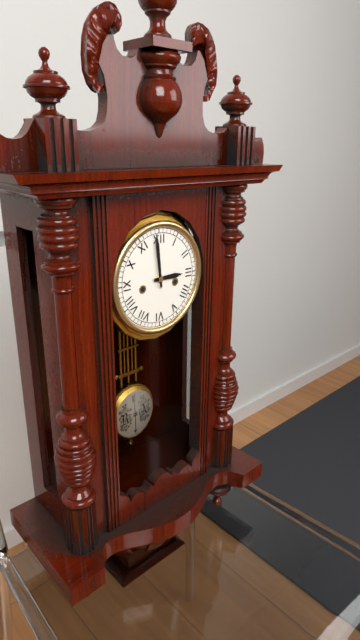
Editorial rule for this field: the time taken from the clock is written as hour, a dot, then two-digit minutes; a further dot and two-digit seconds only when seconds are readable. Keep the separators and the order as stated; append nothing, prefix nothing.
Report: 2.59
